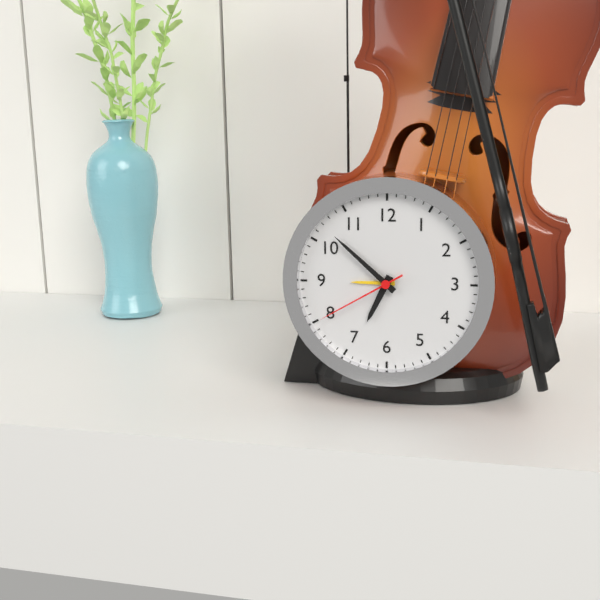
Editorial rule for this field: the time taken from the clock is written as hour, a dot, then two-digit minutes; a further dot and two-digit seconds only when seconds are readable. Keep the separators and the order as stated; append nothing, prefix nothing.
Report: 6.52.40
